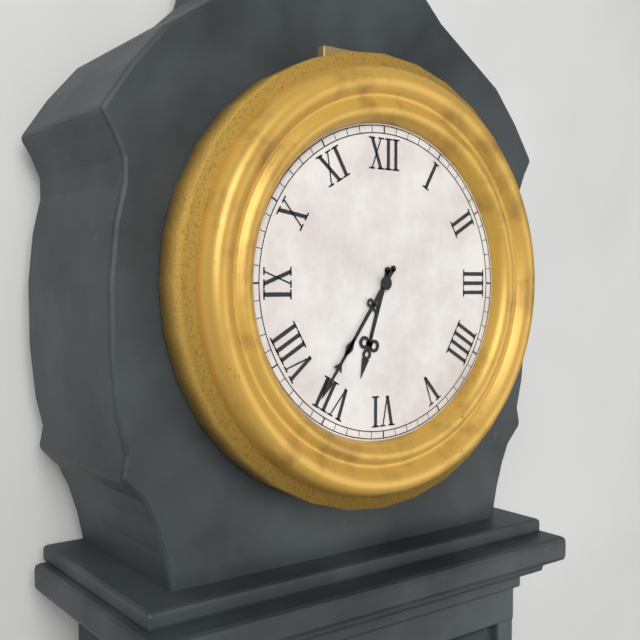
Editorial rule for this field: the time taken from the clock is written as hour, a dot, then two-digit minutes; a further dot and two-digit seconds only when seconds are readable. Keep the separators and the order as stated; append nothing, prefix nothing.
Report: 6.36
